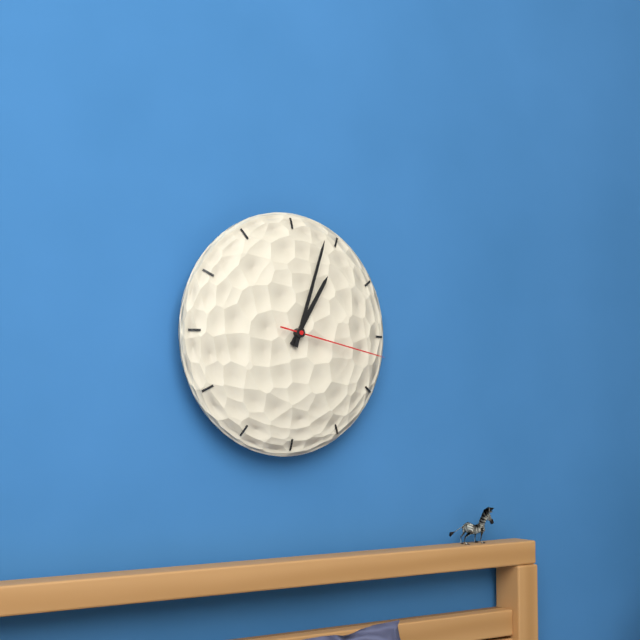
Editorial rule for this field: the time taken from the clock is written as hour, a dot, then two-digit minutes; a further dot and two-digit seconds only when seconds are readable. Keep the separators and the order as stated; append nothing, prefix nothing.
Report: 1.03.17
